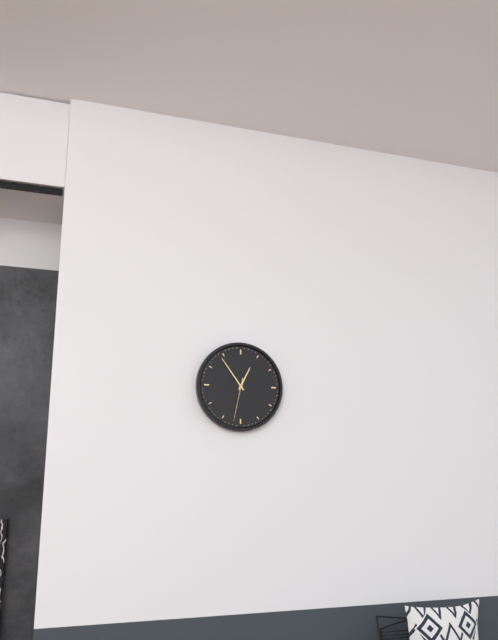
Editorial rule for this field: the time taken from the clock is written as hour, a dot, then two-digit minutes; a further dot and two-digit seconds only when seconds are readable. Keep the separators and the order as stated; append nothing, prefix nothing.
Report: 12.54
